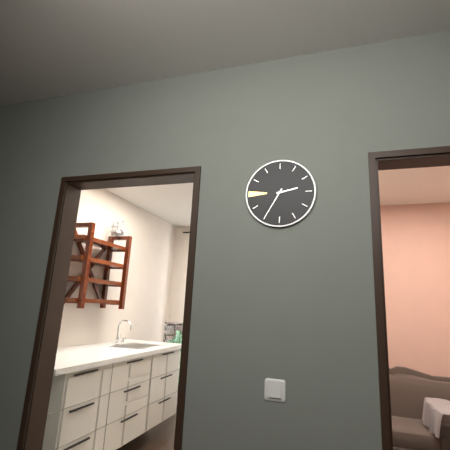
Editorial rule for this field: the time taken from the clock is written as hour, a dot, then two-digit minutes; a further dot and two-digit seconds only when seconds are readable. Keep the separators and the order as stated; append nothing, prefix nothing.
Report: 2.35
